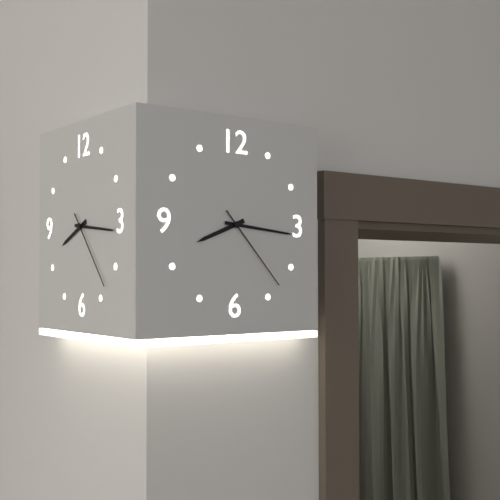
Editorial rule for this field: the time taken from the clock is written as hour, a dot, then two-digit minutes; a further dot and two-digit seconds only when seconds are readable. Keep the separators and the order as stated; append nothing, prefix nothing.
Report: 8.16.23
